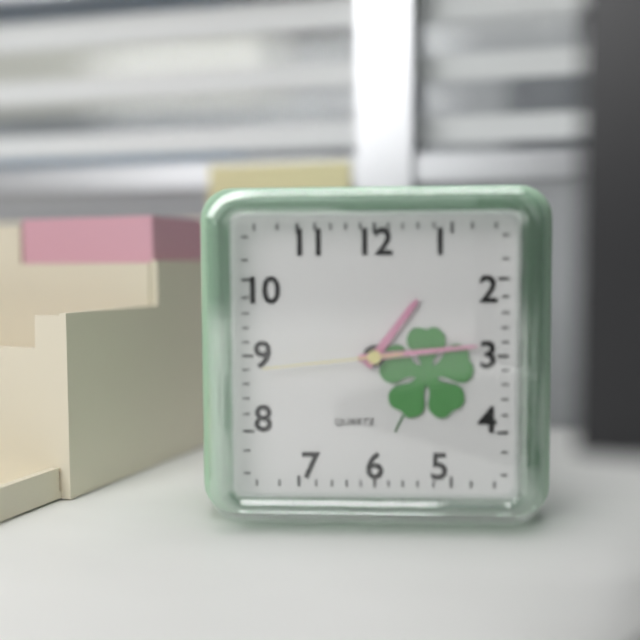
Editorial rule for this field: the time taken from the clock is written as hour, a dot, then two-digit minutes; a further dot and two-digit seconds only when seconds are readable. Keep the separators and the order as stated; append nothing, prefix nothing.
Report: 1.14.44
